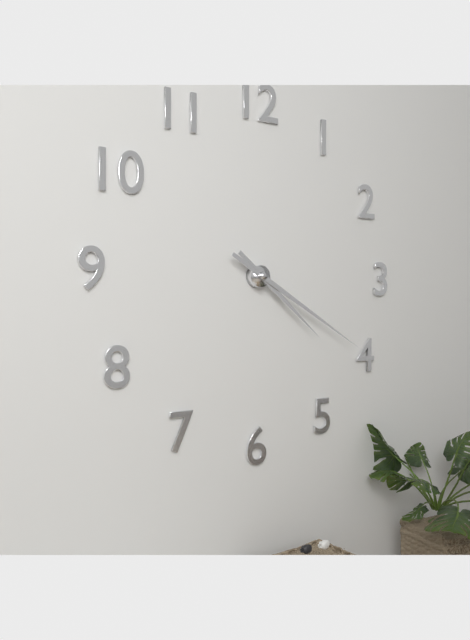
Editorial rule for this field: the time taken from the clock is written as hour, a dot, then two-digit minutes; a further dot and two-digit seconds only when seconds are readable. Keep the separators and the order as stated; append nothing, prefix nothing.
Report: 4.20
